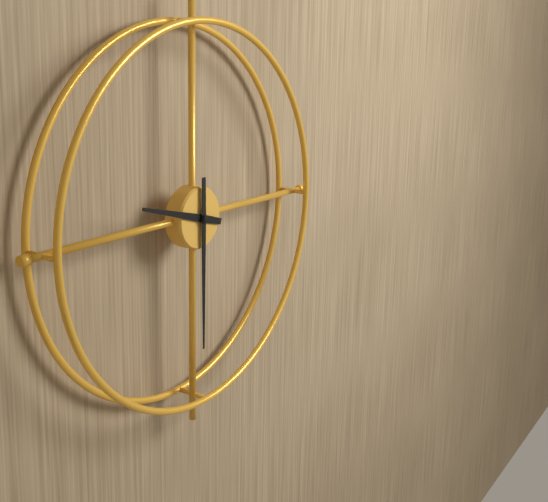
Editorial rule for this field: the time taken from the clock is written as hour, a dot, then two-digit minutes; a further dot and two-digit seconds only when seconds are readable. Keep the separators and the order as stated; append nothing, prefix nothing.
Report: 9.30
